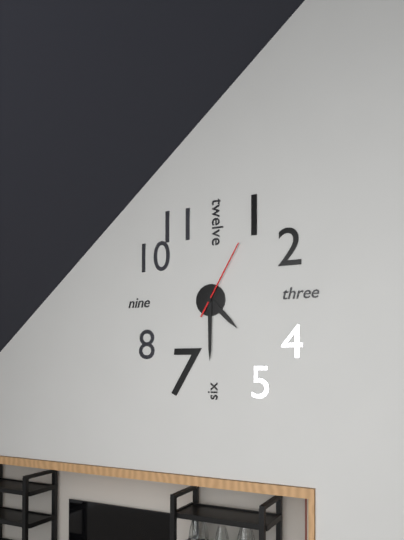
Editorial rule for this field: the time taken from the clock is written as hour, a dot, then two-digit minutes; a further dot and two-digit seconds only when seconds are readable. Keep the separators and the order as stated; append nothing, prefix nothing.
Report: 4.30.05
